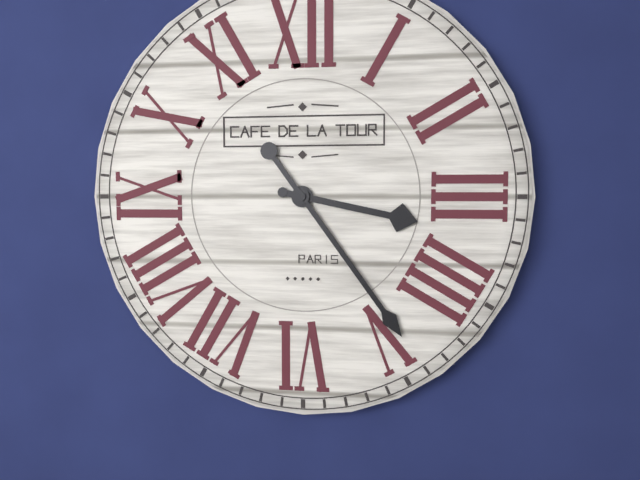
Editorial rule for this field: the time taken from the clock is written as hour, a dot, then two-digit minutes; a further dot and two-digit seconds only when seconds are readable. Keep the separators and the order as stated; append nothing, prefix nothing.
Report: 3.24
